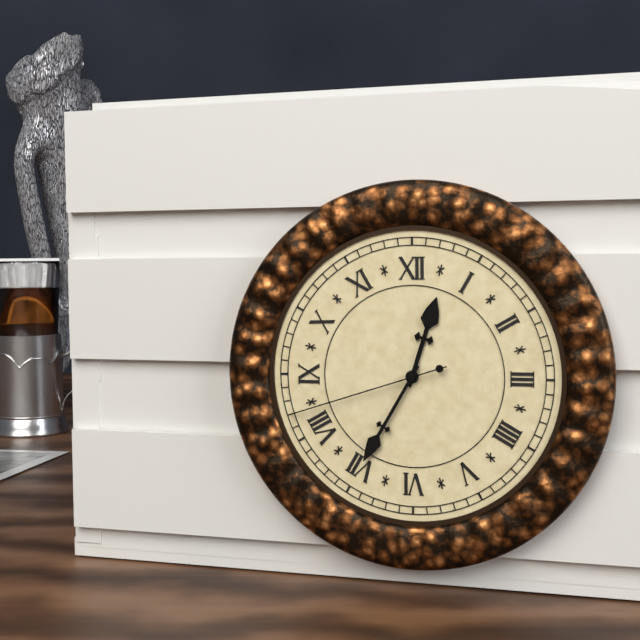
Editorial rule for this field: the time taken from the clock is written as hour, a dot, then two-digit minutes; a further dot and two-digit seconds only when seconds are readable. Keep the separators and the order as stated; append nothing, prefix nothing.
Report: 12.35.42
